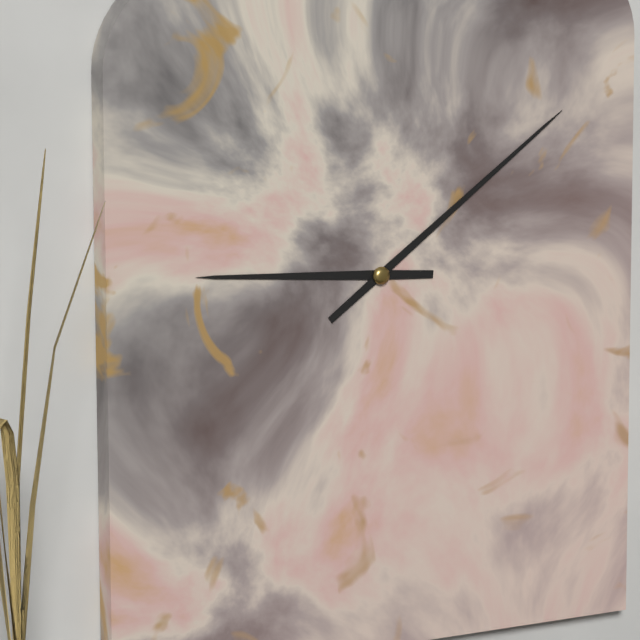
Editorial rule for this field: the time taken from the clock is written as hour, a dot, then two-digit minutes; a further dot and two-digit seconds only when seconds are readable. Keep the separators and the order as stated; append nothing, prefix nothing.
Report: 9.09
